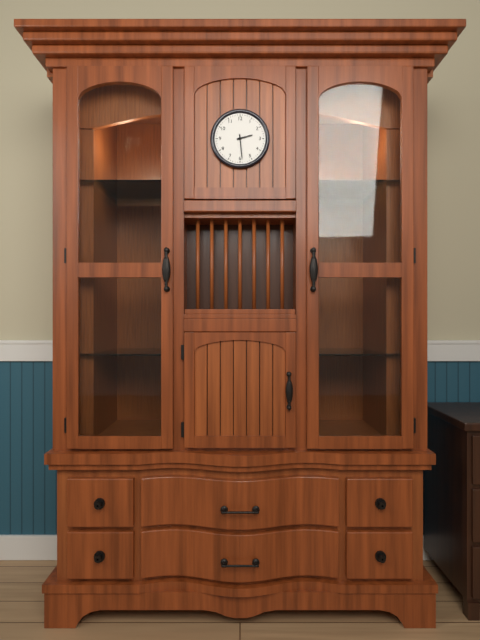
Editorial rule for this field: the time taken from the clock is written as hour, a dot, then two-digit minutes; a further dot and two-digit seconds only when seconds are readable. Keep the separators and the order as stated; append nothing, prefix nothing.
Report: 2.29
